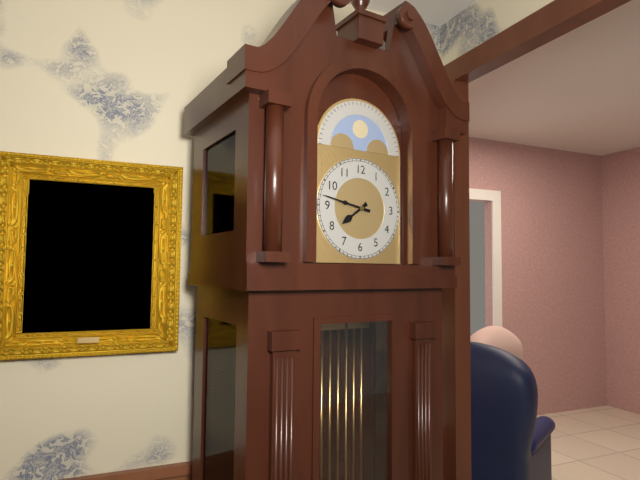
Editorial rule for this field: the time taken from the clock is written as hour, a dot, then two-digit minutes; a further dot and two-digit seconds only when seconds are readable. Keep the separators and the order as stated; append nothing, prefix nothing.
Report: 7.47
